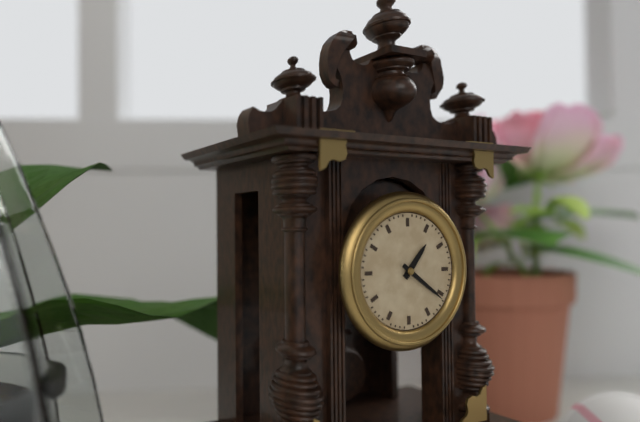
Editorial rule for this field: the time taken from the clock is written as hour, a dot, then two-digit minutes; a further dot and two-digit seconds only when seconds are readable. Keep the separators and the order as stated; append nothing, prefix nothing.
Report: 1.21
